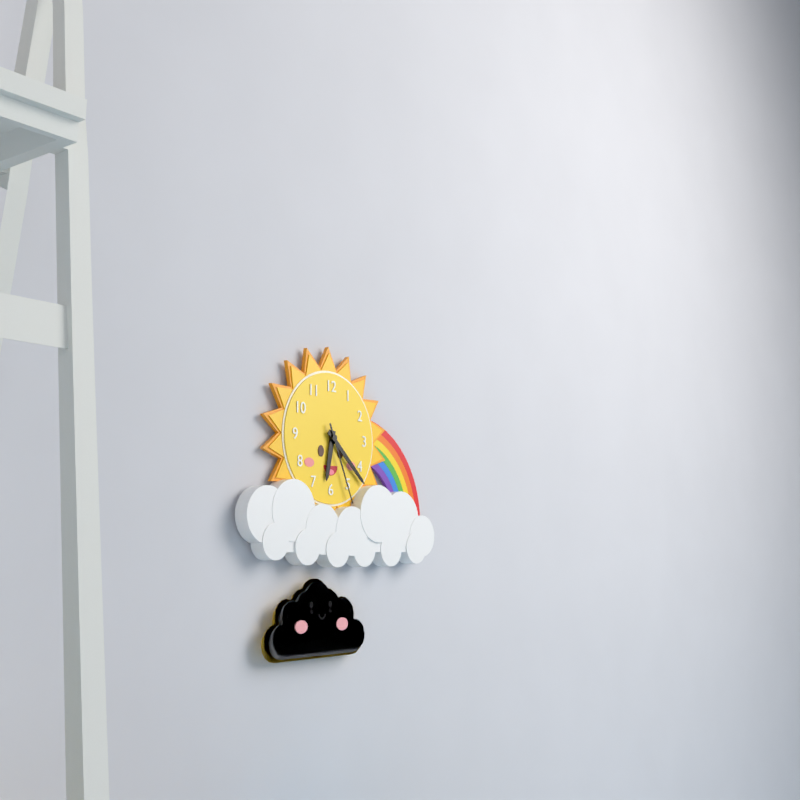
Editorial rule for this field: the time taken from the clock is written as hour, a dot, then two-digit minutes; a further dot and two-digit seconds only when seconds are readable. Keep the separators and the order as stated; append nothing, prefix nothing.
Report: 6.22.26
